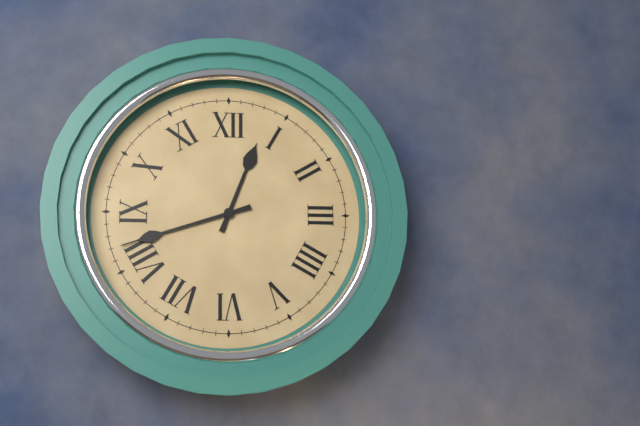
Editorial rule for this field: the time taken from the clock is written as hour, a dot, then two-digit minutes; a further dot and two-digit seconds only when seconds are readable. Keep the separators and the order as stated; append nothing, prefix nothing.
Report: 12.42
